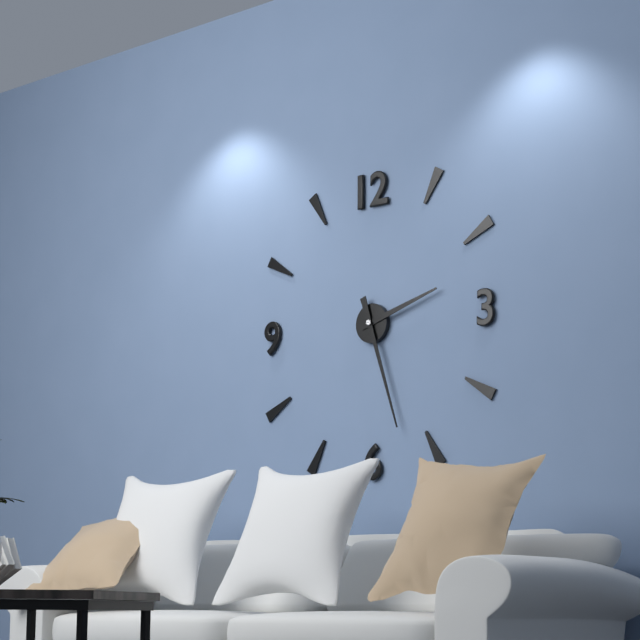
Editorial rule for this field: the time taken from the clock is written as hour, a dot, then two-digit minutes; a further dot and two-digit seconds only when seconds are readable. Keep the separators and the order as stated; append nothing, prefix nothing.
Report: 2.27
